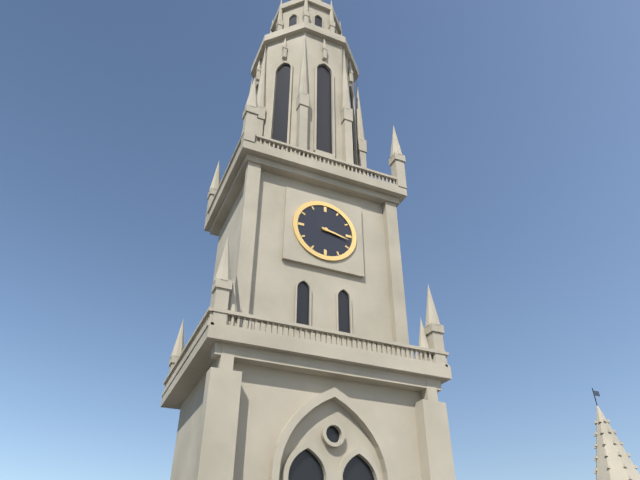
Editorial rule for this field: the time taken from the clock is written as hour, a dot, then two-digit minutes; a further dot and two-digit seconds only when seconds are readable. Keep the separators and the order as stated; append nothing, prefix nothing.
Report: 3.17
